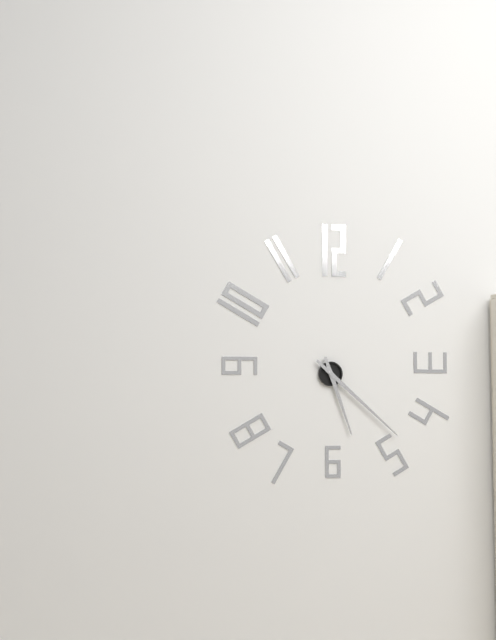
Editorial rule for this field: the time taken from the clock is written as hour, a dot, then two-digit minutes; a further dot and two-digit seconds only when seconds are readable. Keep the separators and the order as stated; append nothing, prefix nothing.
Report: 5.22
